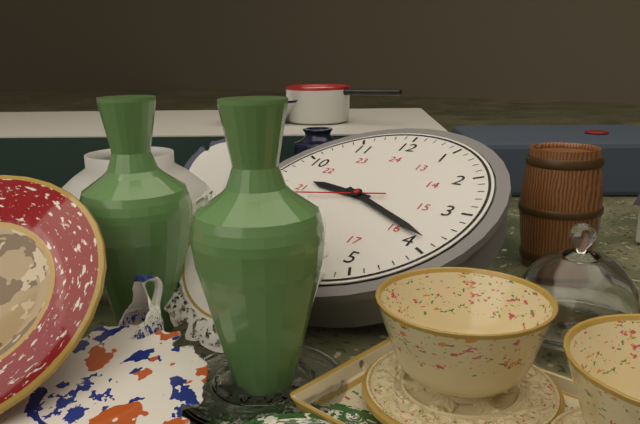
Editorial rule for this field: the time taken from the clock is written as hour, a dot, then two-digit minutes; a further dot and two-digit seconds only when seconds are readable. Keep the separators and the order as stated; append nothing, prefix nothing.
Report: 9.19
